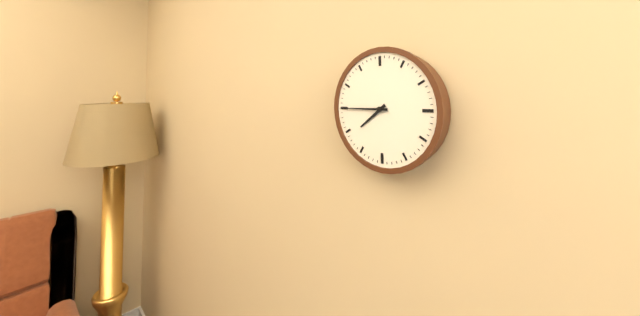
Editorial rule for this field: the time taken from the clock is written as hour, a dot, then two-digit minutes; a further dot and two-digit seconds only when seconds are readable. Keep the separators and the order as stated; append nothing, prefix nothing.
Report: 7.45
